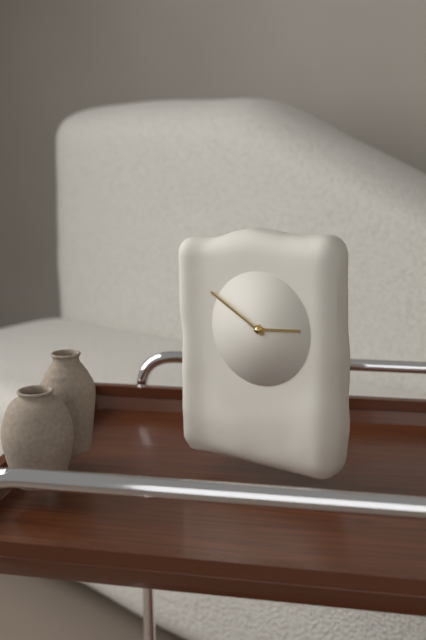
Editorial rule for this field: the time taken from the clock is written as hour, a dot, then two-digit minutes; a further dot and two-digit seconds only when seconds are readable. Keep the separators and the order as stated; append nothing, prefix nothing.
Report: 2.50
